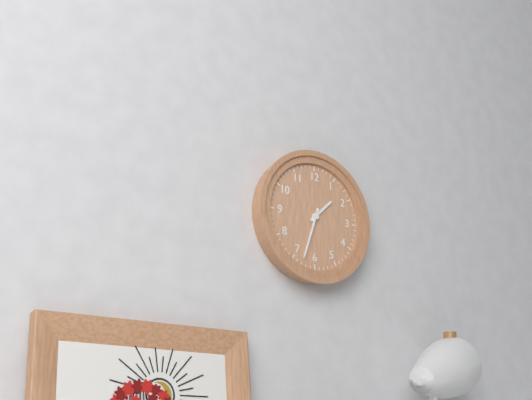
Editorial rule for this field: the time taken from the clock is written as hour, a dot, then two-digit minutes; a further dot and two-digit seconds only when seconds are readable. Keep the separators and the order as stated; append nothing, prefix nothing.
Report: 1.33
